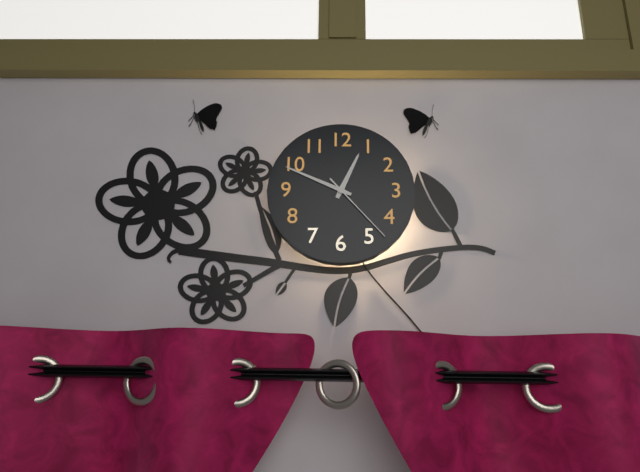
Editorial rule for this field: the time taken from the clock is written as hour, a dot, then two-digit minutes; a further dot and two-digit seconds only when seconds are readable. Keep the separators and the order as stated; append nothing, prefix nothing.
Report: 12.49.23
